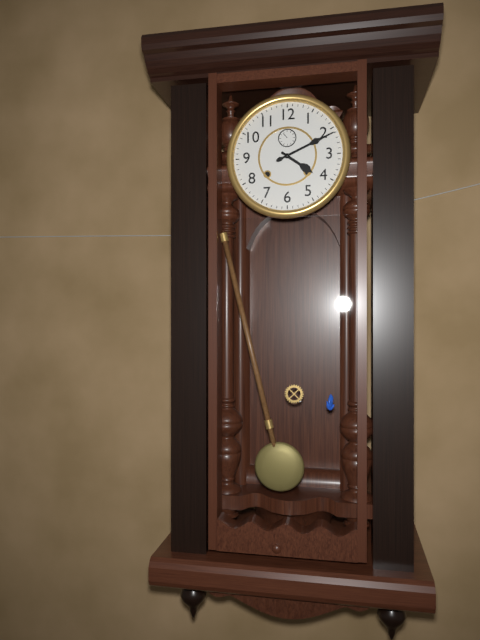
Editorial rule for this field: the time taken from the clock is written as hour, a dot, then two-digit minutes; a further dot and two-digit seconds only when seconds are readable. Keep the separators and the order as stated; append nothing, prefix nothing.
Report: 4.11
